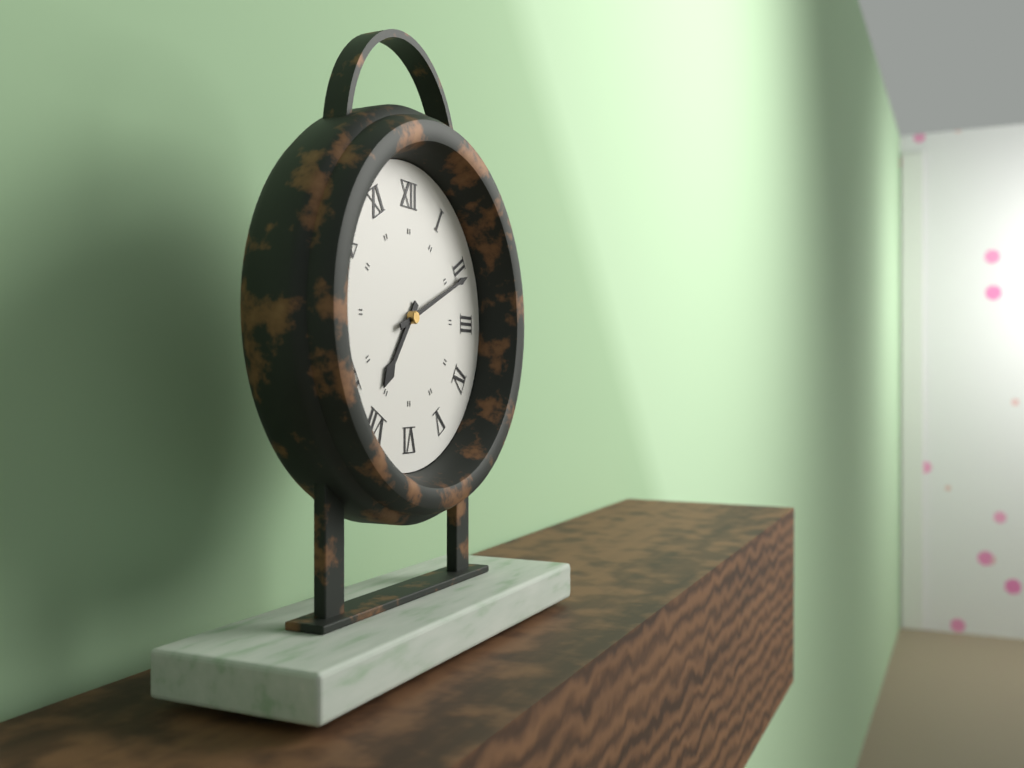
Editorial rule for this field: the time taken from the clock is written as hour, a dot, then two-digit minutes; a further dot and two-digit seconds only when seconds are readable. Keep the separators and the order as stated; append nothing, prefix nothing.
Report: 7.11
